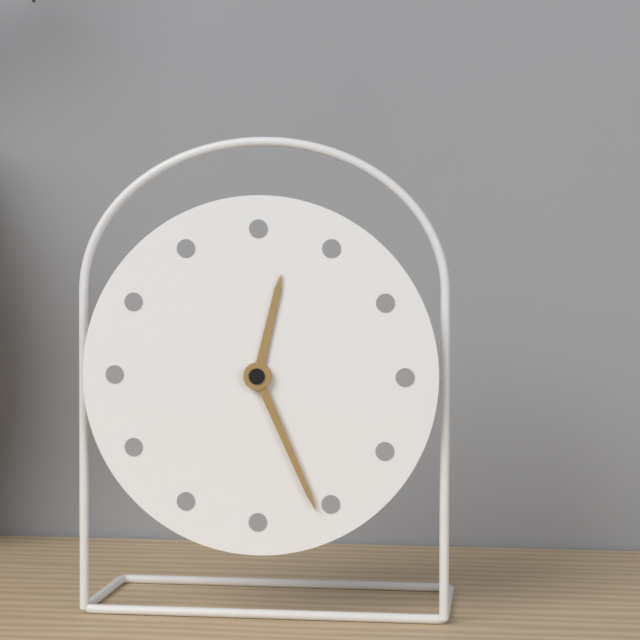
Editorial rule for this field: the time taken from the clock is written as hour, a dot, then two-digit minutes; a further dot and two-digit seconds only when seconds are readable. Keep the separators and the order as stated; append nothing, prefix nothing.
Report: 12.26
